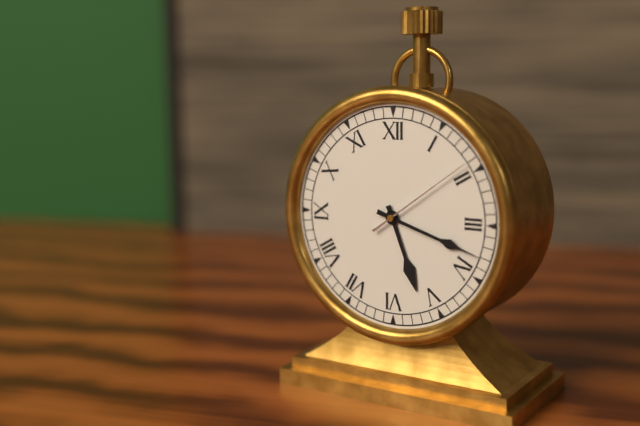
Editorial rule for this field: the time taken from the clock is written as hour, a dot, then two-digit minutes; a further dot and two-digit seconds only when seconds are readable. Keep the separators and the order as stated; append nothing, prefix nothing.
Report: 5.18.09
